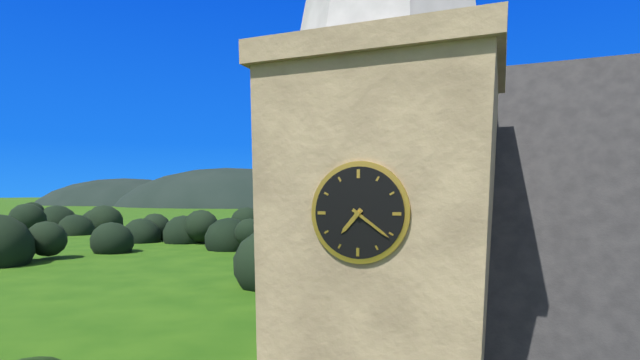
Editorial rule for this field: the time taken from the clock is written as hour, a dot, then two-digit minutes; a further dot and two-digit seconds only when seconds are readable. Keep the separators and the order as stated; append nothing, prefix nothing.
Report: 7.21
